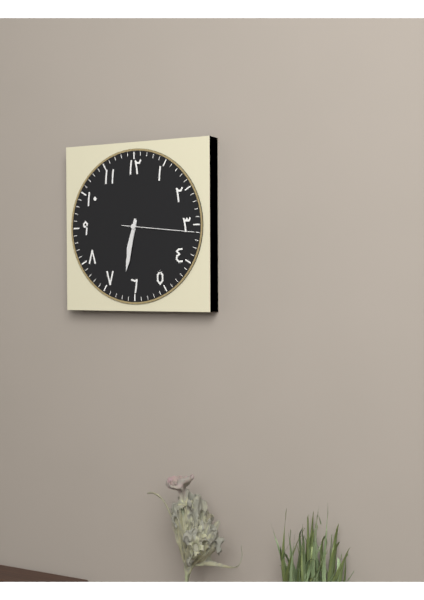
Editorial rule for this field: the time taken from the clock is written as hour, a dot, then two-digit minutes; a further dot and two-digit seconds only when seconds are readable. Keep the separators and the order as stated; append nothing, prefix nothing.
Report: 6.32.16
